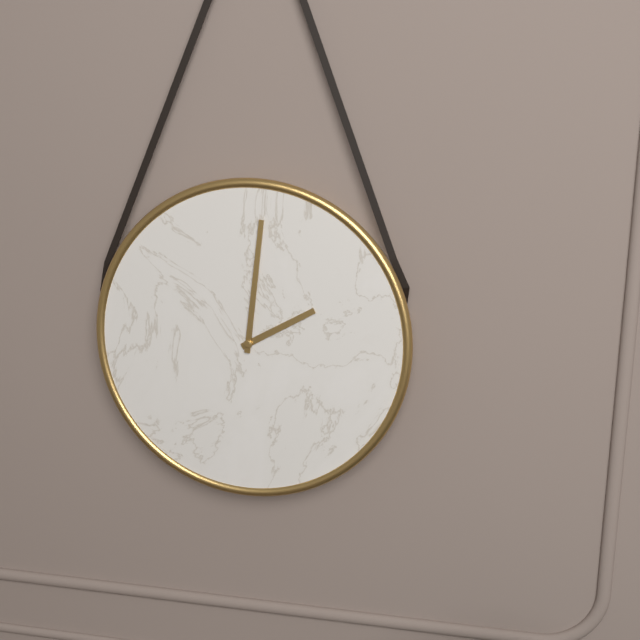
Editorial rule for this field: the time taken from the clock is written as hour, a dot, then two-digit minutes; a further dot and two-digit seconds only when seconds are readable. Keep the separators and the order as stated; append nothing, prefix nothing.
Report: 2.01
